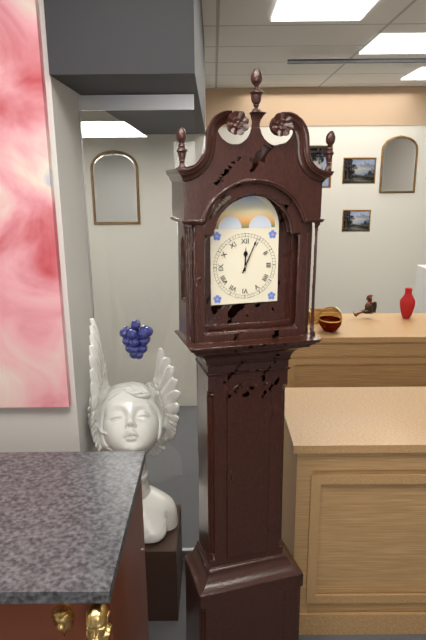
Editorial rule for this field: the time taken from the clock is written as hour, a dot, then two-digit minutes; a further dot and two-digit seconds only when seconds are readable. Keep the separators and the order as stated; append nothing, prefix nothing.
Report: 12.04
